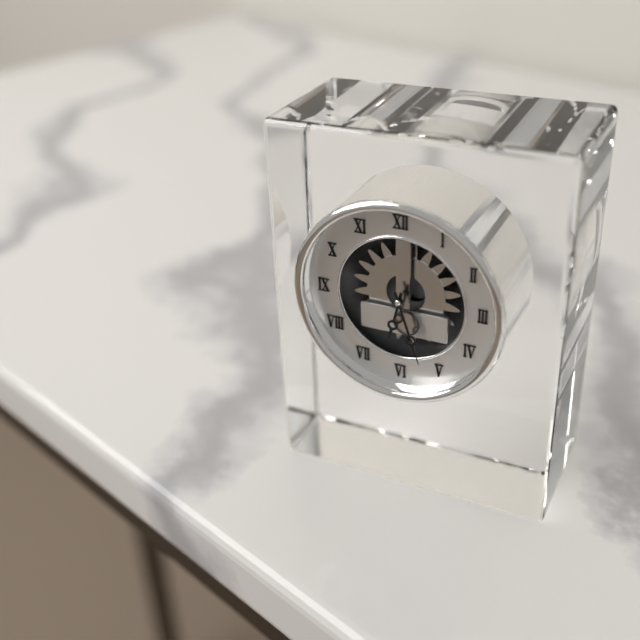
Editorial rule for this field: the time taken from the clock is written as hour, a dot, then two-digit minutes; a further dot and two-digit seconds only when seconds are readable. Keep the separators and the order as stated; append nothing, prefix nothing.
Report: 6.27
